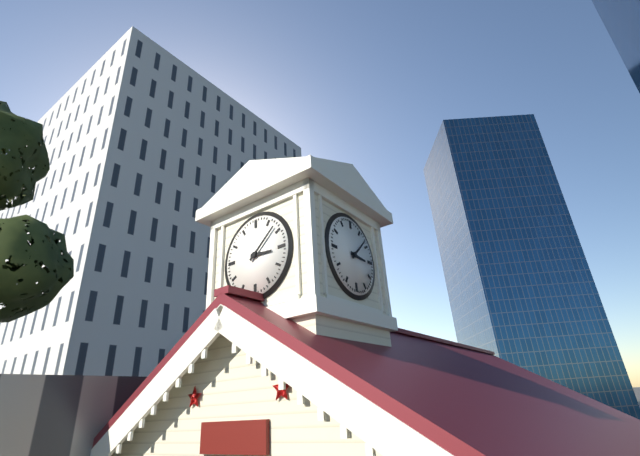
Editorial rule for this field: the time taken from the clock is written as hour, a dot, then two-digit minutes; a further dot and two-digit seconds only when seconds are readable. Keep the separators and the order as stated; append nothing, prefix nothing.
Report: 3.08
